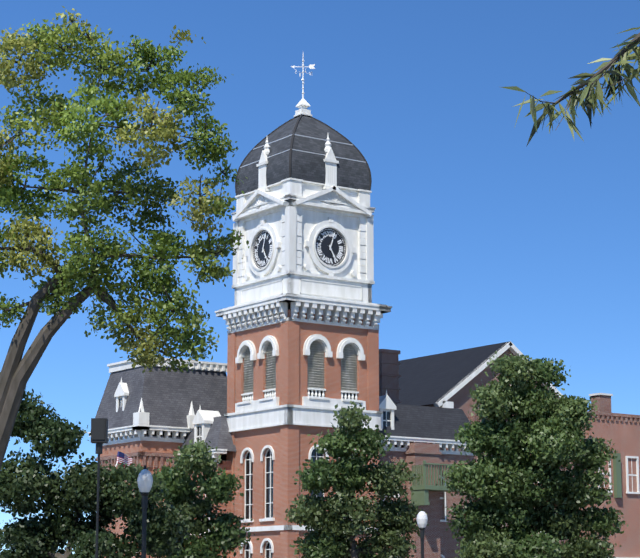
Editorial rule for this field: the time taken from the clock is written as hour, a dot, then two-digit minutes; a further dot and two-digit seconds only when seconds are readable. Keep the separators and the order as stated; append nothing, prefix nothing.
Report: 5.03
